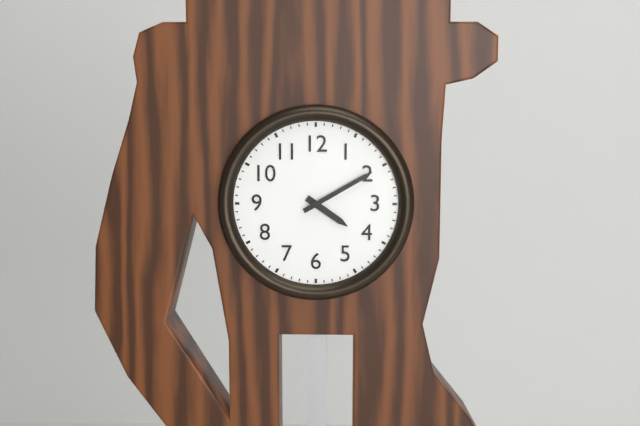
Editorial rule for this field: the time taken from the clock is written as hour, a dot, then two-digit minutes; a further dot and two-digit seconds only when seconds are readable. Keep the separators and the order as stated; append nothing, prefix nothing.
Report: 4.10
